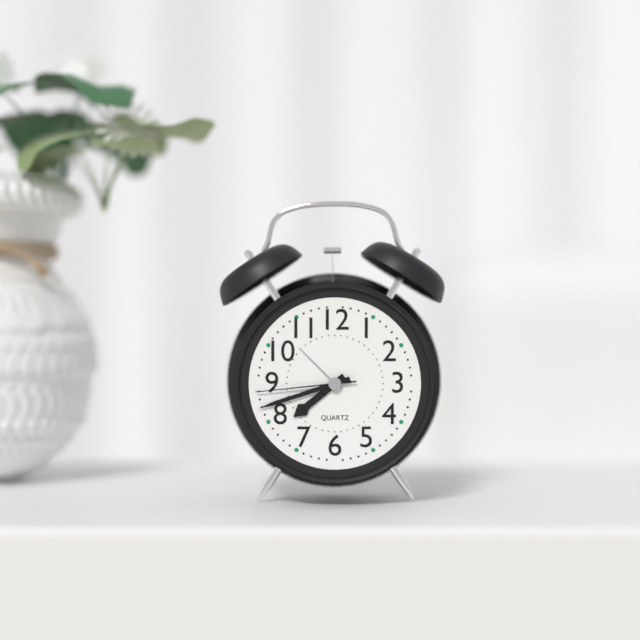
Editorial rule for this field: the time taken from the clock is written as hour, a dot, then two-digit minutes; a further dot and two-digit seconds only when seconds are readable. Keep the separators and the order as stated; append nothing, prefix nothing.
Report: 7.42.44
